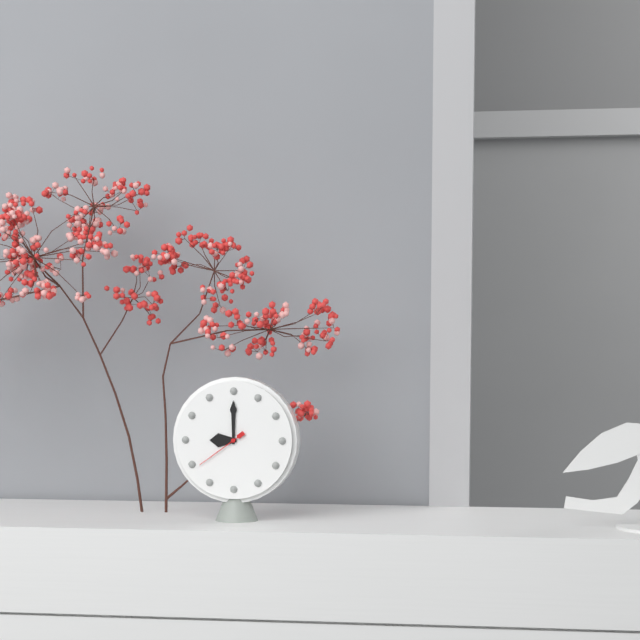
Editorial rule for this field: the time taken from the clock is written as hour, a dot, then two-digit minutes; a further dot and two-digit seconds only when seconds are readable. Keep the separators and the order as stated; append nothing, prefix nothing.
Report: 9.00.39
